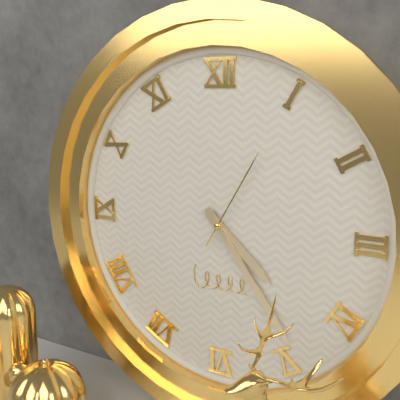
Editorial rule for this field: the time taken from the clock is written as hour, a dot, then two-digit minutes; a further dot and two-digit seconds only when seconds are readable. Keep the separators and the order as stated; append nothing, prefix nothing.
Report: 4.24.05
